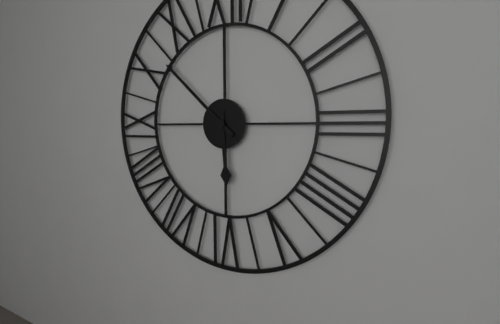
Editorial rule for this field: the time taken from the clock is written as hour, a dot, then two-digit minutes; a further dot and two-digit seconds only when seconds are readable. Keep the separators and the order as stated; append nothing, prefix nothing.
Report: 5.52
